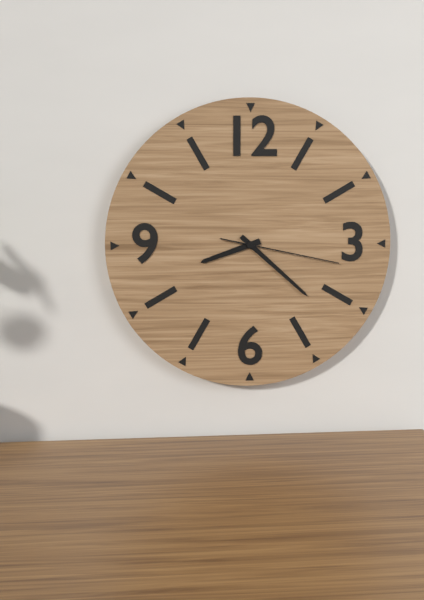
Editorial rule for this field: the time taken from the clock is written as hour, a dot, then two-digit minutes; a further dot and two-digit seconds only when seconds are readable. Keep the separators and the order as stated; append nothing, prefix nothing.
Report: 8.22.17
